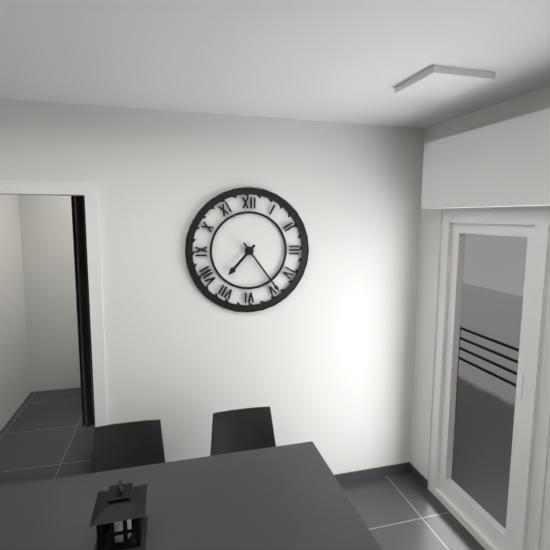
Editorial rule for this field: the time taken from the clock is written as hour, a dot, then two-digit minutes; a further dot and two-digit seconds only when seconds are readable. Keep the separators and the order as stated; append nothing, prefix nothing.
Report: 7.24
